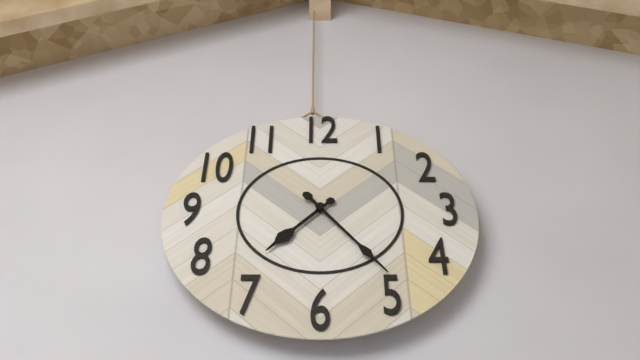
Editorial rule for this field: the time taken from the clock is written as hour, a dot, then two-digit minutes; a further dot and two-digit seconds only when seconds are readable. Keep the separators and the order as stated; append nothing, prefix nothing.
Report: 7.24
